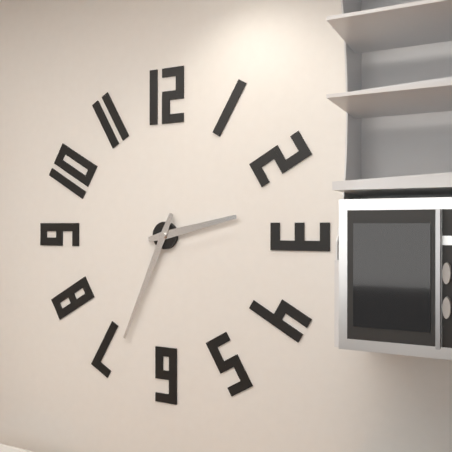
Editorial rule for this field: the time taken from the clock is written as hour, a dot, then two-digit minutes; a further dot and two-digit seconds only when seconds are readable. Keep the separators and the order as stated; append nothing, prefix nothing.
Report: 2.34
